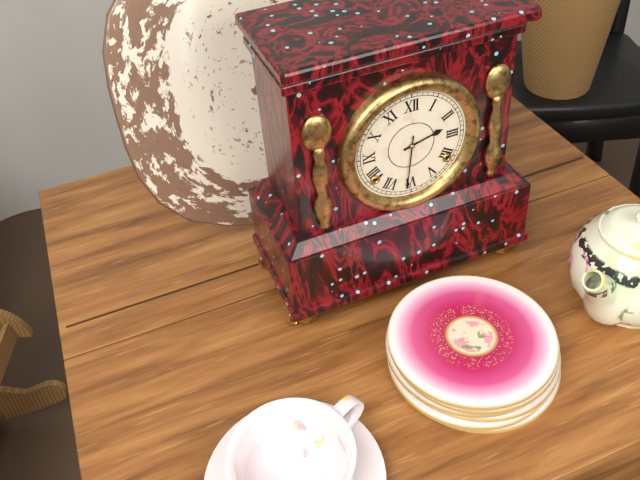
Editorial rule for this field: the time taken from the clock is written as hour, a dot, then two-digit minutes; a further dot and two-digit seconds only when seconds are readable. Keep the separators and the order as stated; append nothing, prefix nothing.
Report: 2.31
